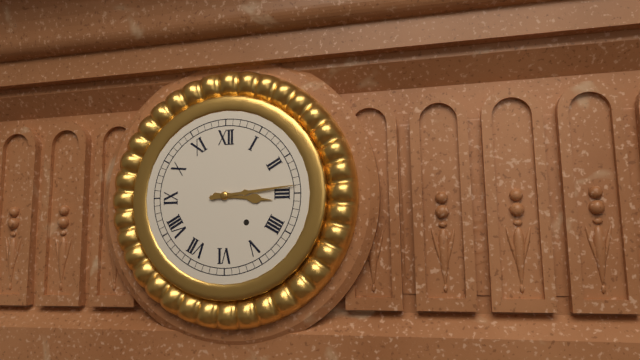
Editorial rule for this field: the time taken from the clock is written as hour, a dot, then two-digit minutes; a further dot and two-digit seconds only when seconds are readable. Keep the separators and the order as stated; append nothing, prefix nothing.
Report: 3.14
